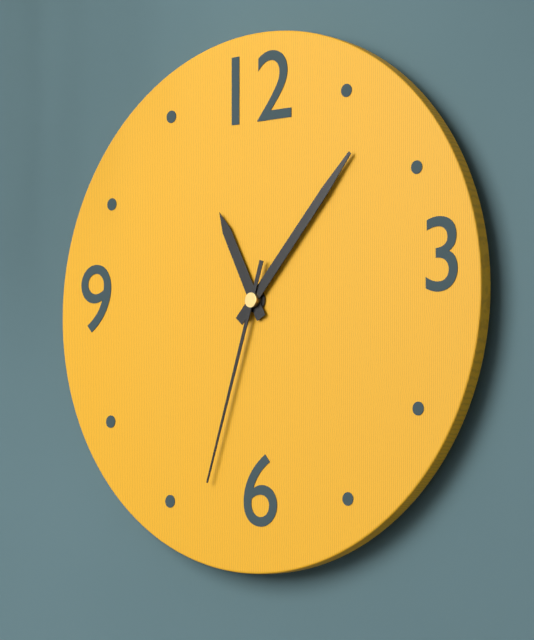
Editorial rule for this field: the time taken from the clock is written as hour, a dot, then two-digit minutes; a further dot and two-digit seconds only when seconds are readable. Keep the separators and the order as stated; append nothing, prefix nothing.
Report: 11.07.33
